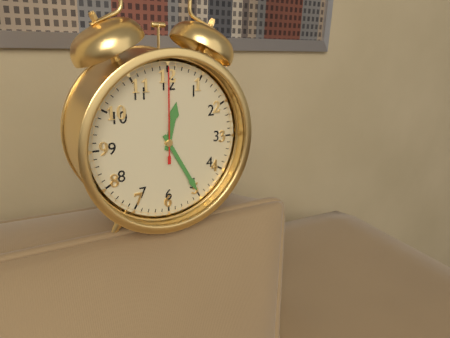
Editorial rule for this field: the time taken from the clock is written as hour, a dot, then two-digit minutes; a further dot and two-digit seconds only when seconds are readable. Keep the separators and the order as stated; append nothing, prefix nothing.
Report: 12.25.00
